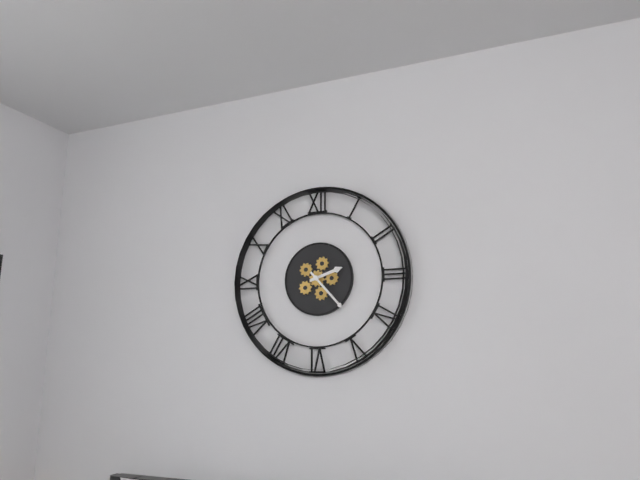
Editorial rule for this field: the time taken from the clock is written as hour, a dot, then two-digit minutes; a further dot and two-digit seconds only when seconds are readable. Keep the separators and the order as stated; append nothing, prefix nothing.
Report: 2.23
